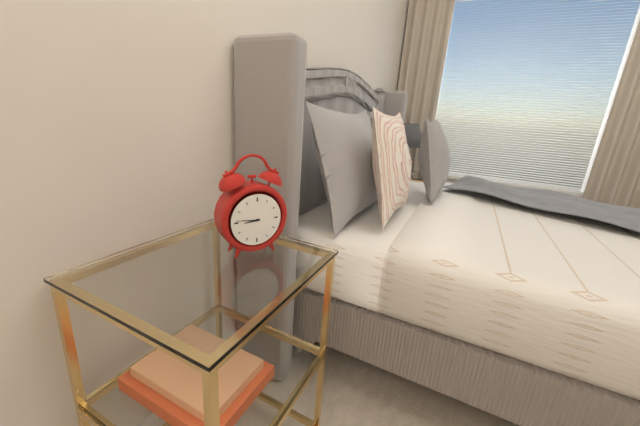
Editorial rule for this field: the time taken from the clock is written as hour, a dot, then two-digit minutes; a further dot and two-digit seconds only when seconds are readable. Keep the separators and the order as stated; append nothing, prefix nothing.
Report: 8.46
